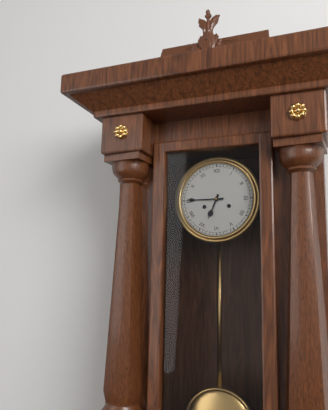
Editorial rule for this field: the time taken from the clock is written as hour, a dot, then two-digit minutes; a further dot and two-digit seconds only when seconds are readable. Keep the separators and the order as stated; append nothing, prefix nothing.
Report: 6.45
